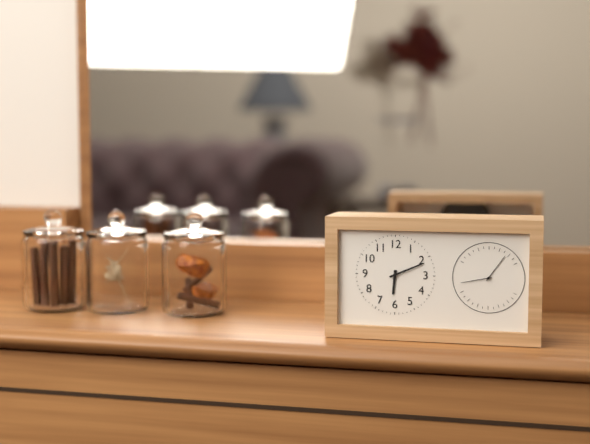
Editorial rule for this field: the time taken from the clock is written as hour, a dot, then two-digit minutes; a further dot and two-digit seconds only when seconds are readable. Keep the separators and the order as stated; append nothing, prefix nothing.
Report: 6.11
